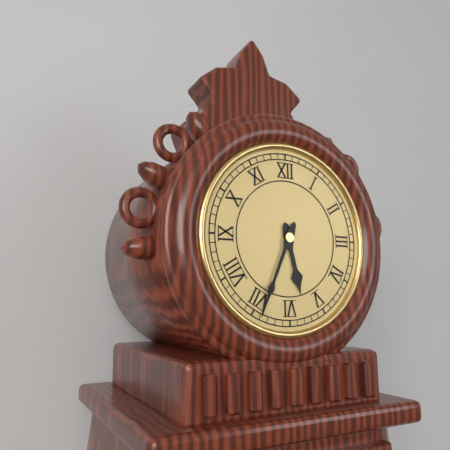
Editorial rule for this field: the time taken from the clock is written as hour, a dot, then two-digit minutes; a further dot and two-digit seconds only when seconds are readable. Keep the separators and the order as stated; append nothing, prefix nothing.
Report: 5.34
